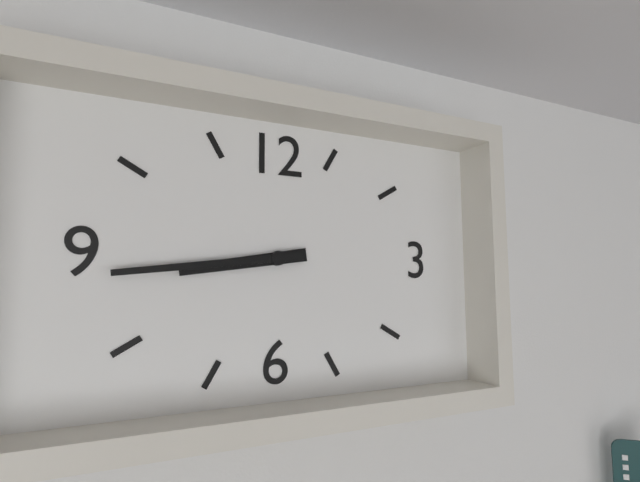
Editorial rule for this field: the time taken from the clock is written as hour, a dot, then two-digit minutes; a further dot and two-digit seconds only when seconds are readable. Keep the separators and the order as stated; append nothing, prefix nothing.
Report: 8.44
